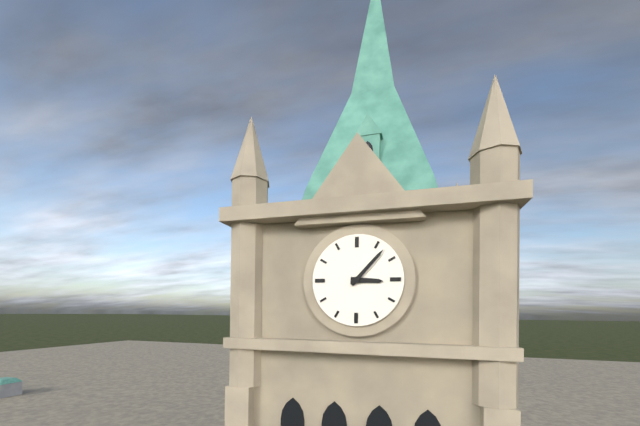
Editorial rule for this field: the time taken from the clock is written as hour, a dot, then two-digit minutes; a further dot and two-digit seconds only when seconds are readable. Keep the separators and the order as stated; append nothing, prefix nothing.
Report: 3.07
